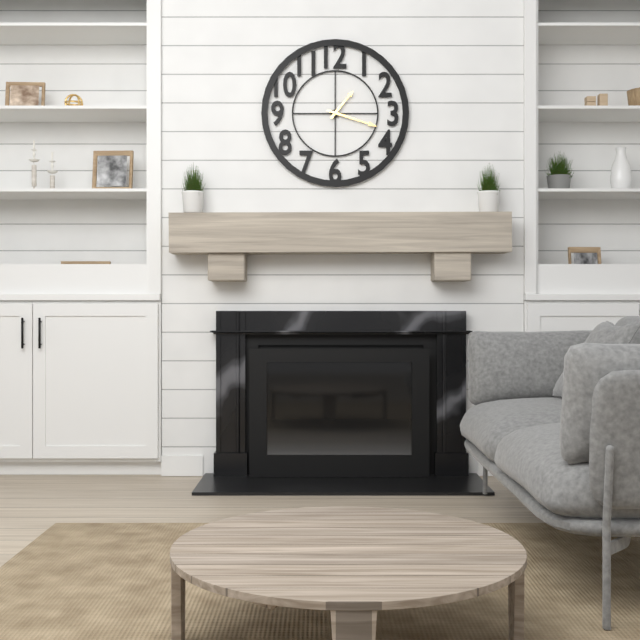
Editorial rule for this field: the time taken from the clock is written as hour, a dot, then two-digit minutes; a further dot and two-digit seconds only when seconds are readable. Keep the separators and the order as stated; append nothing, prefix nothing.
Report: 1.18
